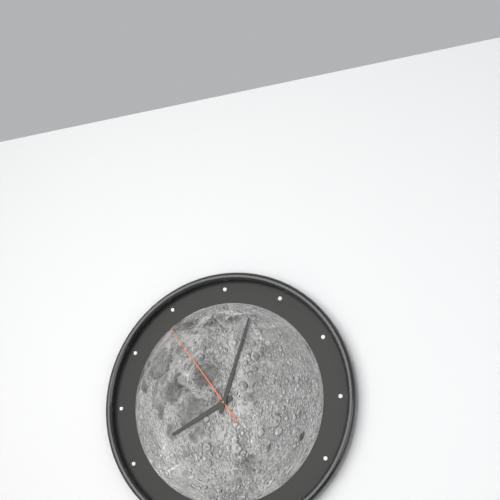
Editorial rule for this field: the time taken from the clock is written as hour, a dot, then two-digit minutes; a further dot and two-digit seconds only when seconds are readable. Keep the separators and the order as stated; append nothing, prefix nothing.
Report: 8.03.54
